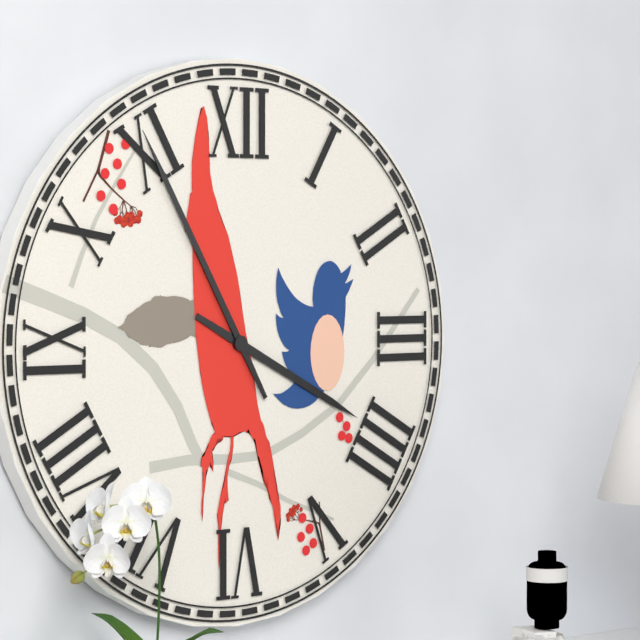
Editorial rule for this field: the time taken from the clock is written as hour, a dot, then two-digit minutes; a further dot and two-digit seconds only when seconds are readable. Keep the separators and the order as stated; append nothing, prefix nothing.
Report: 3.55
